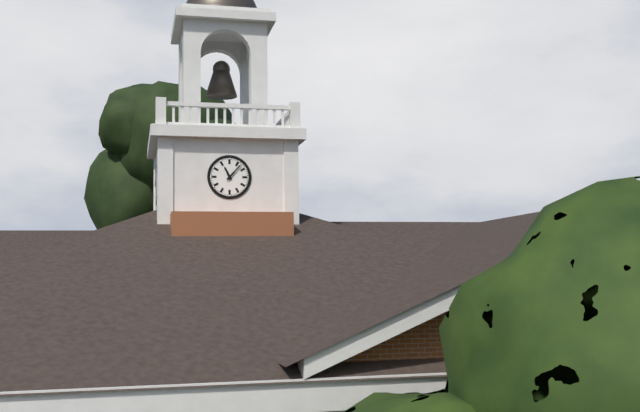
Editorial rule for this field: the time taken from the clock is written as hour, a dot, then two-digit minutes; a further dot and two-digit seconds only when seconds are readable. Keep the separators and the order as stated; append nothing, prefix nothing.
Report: 11.07
